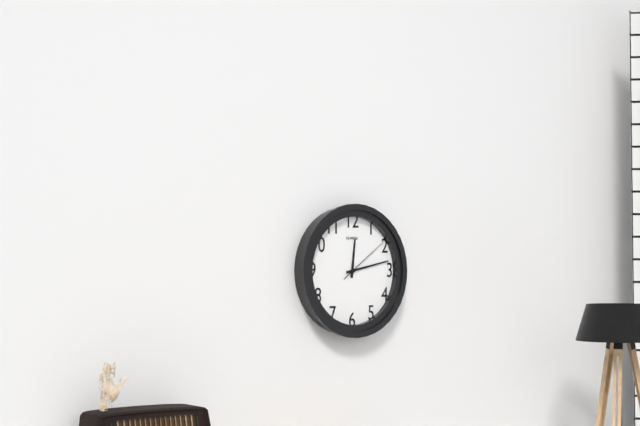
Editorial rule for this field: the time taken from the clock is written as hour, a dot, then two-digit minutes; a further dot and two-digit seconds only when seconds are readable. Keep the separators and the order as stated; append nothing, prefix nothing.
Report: 12.13.09
